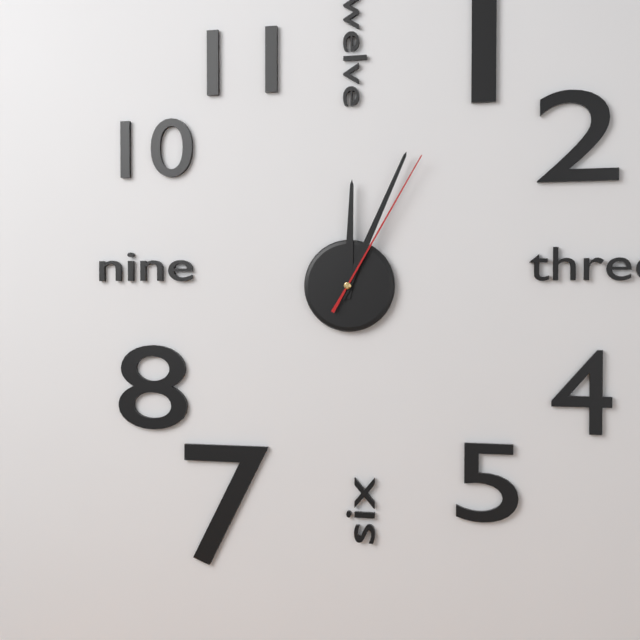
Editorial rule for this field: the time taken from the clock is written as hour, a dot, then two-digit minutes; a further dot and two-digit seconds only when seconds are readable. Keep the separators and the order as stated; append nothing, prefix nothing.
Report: 12.04.05
